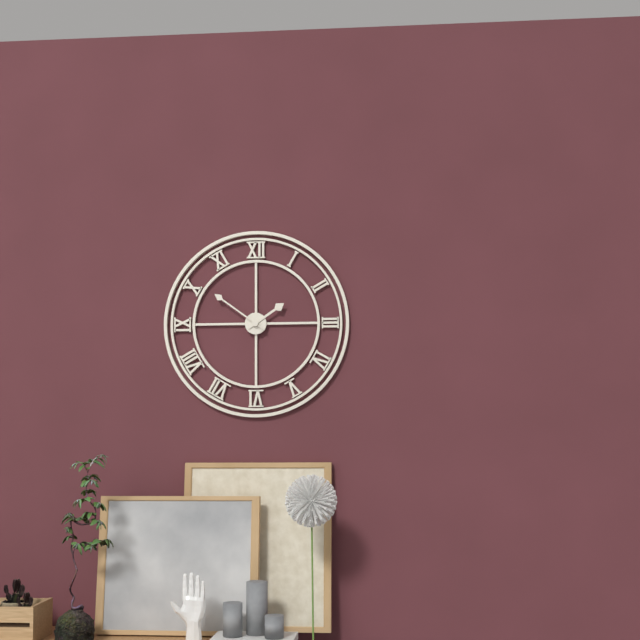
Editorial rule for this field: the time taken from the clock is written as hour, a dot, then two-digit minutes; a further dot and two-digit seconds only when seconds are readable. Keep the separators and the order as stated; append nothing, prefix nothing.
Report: 1.51
